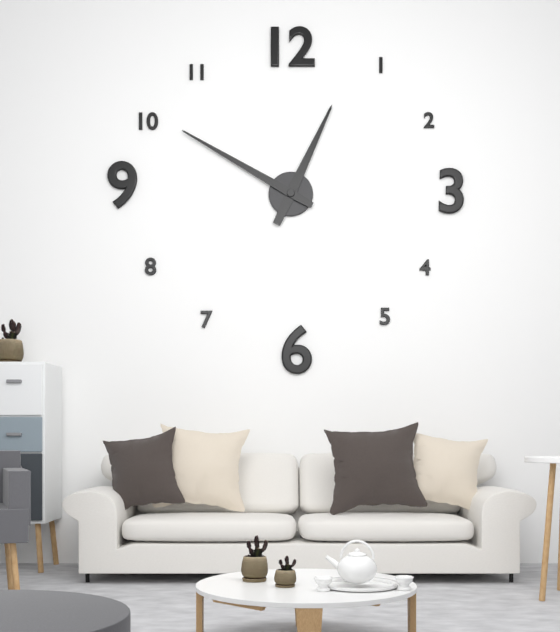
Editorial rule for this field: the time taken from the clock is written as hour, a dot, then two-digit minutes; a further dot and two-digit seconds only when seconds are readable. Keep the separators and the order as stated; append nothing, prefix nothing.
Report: 12.50
